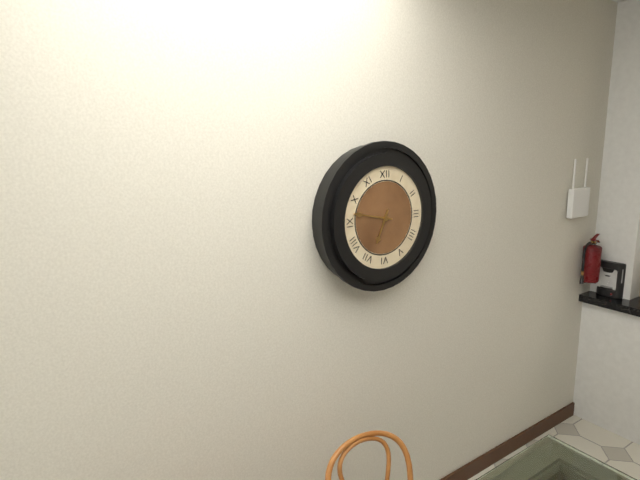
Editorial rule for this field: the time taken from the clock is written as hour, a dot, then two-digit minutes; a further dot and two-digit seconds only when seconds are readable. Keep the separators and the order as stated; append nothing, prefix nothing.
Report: 6.47
